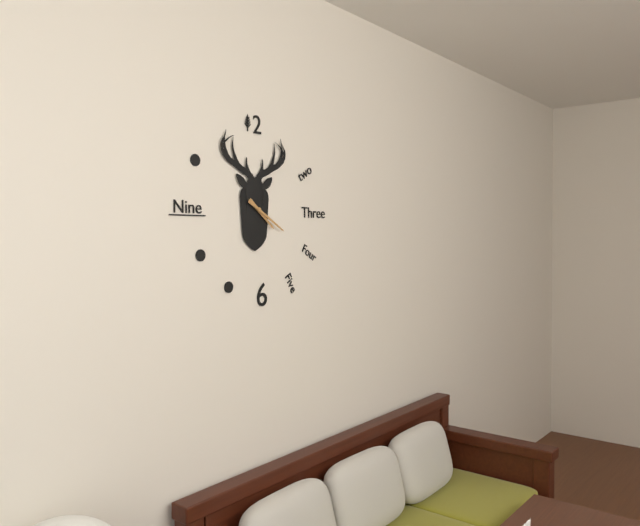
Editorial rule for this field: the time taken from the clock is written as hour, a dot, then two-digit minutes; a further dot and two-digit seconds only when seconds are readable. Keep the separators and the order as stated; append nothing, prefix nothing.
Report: 4.20
